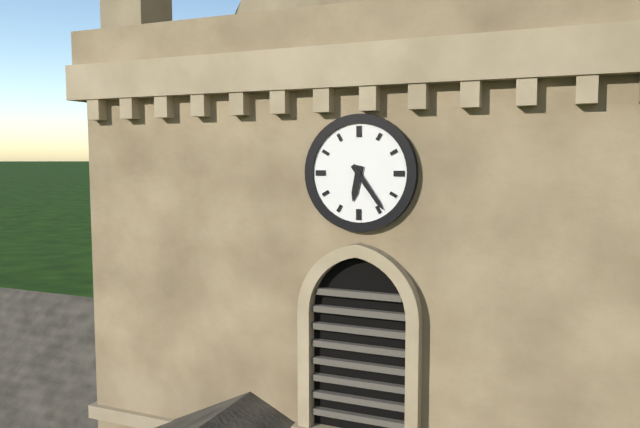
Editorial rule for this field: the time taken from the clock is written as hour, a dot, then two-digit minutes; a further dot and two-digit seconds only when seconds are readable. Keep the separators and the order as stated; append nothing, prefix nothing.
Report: 6.24
